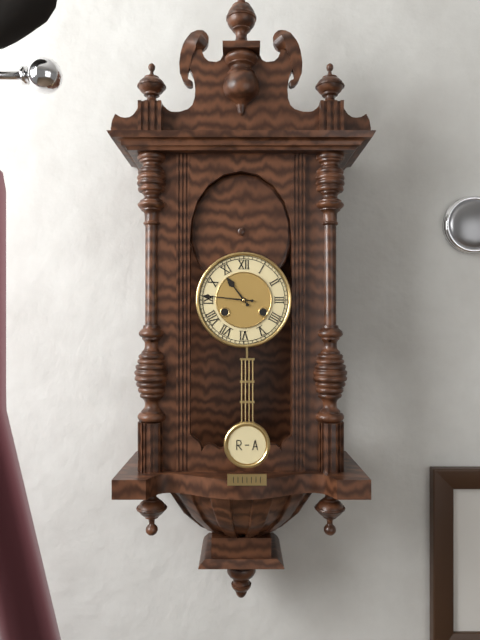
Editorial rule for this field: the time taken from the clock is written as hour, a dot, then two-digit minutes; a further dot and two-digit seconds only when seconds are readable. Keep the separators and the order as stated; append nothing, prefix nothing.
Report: 10.46
